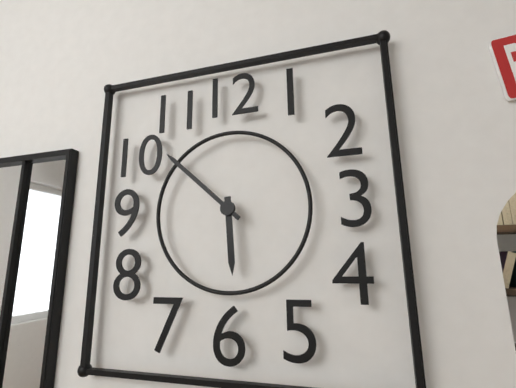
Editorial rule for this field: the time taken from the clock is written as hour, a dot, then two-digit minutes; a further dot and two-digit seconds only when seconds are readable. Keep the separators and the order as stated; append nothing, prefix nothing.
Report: 5.52
